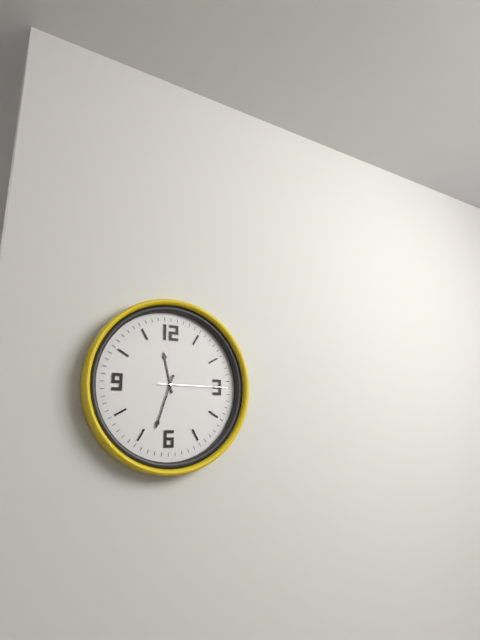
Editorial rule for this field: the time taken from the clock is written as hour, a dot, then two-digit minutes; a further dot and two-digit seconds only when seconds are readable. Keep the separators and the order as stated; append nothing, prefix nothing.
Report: 11.33.15
